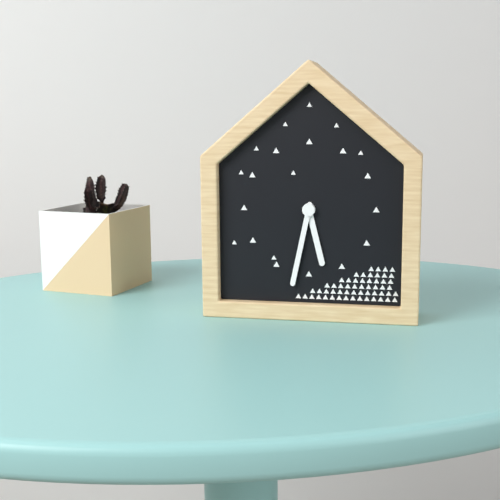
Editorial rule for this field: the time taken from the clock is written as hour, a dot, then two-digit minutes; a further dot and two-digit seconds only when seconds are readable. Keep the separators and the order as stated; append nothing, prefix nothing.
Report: 5.32
